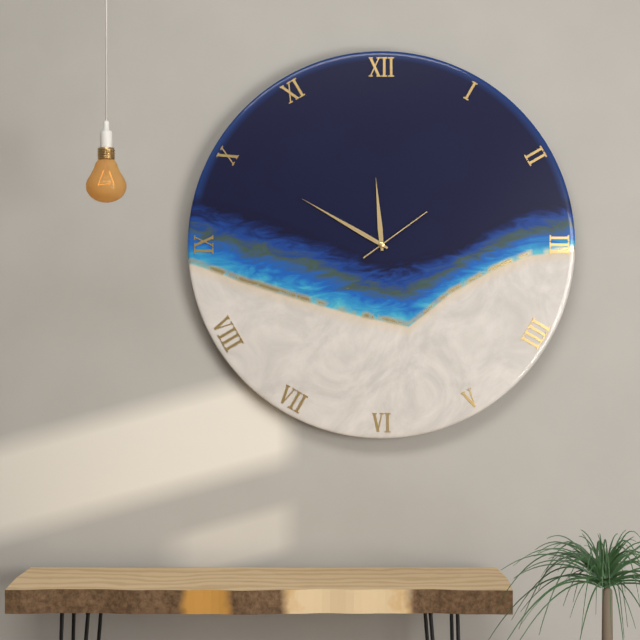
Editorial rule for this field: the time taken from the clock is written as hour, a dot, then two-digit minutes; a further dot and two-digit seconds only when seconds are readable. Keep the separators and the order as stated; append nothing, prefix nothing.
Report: 11.50.09
